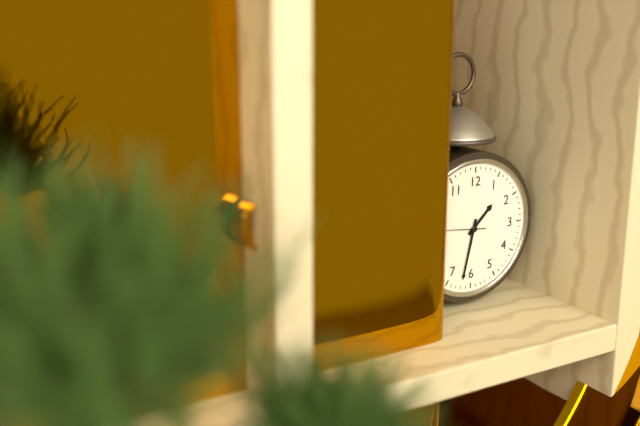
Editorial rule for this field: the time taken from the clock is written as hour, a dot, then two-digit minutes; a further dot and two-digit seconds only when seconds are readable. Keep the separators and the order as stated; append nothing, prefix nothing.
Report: 1.32
